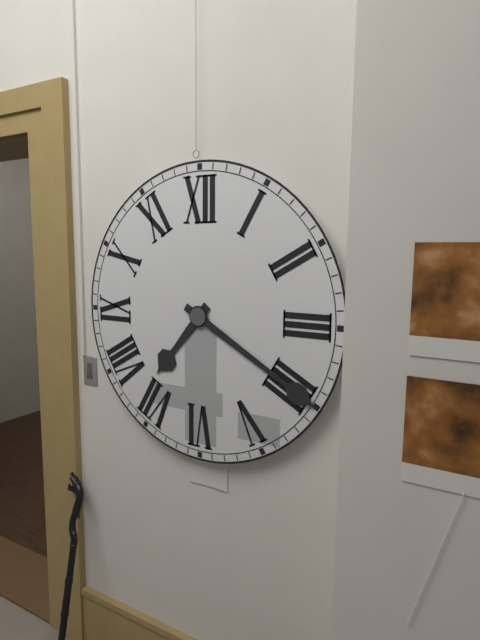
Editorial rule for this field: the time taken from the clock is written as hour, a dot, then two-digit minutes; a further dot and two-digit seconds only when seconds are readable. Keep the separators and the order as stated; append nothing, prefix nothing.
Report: 7.20
